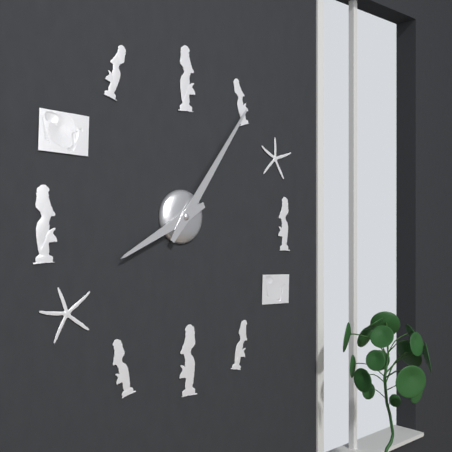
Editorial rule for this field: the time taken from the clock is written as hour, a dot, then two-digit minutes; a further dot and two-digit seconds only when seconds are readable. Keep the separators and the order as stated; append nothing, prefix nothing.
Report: 8.06
